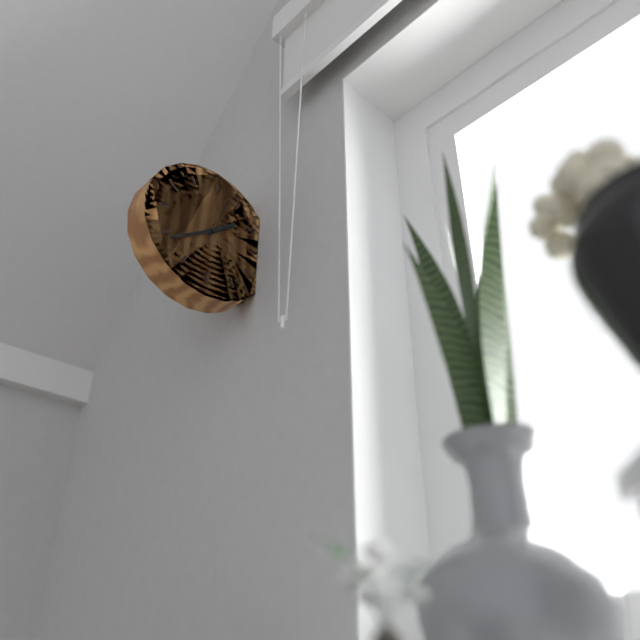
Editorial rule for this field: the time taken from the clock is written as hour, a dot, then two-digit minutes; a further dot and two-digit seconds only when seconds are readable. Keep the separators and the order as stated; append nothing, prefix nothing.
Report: 1.39.03
